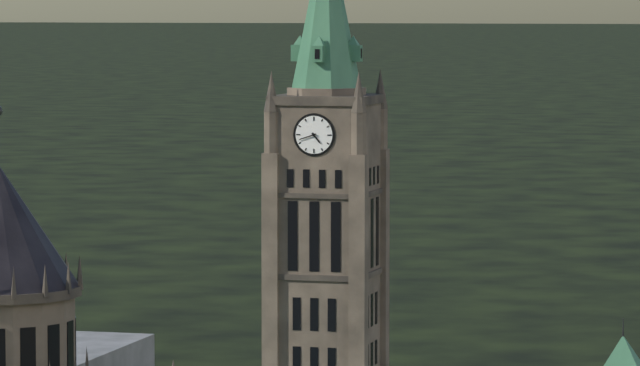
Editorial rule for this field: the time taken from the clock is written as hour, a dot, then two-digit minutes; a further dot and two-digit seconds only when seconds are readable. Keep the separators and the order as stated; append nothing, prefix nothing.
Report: 4.42
